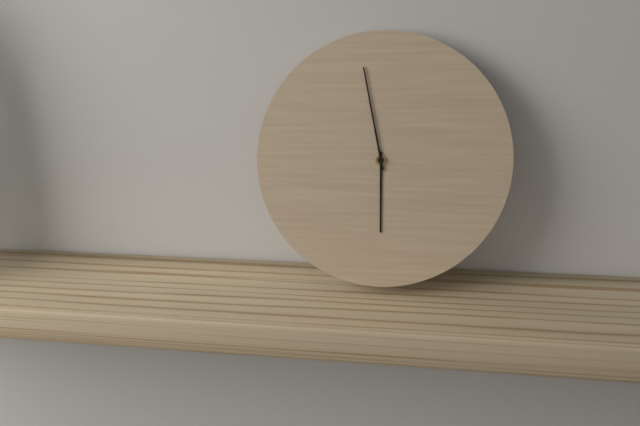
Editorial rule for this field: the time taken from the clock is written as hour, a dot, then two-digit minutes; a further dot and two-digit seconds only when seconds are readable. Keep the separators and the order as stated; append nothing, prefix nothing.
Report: 5.58
